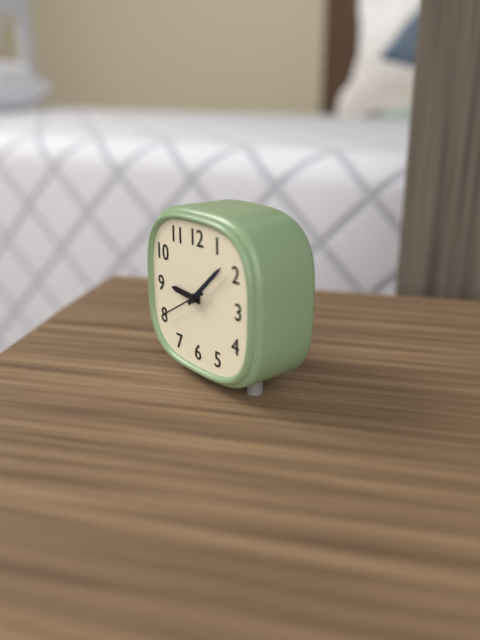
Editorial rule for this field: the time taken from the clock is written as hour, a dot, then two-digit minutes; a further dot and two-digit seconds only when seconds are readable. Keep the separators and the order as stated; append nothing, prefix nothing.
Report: 9.08.40
